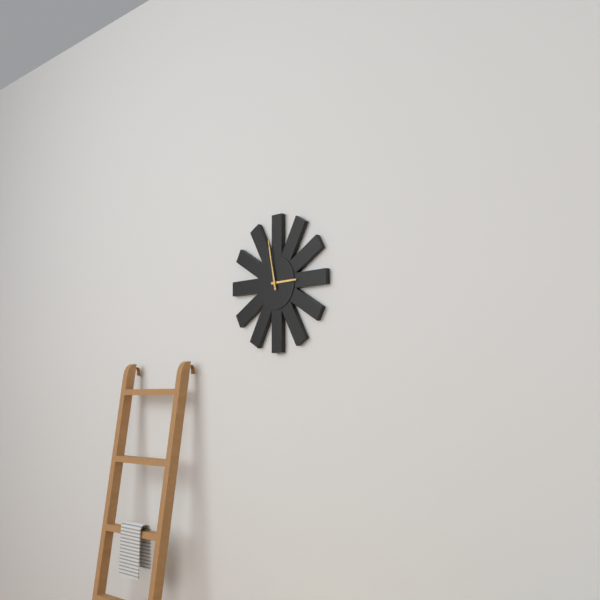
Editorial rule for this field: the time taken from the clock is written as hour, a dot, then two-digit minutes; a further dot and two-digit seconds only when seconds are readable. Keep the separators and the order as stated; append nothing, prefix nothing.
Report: 2.58
